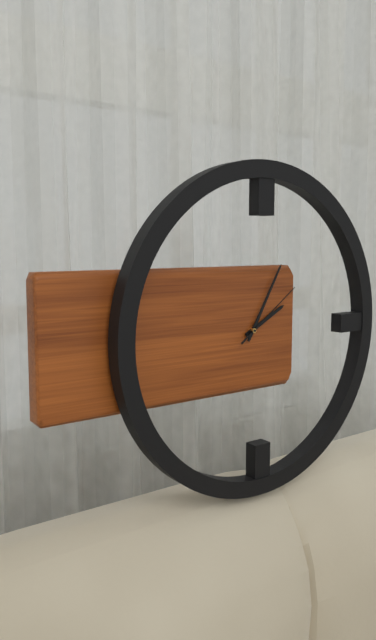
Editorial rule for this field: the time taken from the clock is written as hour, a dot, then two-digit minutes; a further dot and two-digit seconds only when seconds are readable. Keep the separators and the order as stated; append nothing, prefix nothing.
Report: 2.05.09
